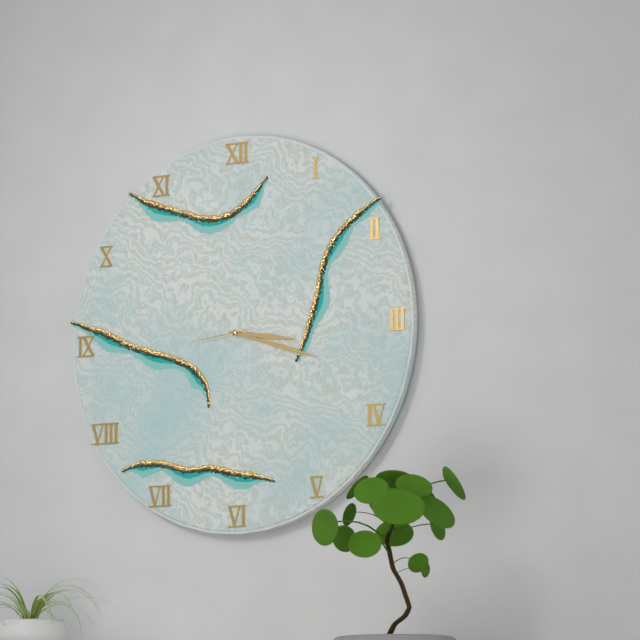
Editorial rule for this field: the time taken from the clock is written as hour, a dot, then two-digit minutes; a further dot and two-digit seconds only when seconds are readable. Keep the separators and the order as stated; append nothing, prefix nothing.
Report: 3.18.44
